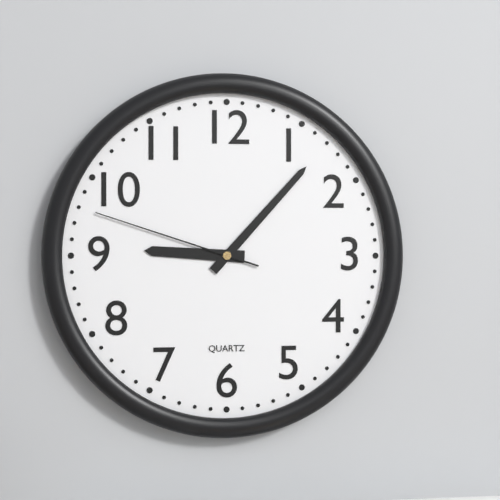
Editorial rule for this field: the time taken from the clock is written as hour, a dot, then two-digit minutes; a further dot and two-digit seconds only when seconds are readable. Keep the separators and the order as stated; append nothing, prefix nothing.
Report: 9.07.48
